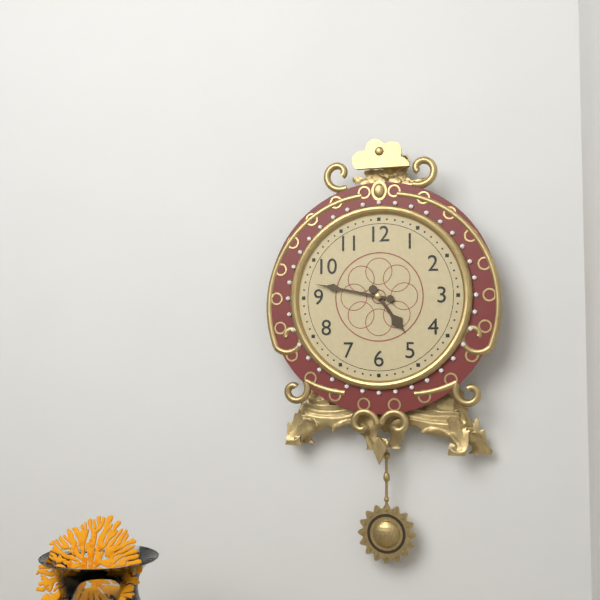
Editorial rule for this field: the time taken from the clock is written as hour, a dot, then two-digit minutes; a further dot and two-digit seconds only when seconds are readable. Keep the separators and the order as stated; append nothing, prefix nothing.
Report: 4.47
